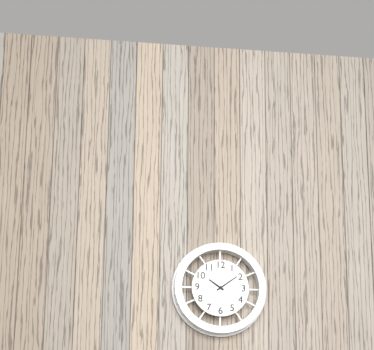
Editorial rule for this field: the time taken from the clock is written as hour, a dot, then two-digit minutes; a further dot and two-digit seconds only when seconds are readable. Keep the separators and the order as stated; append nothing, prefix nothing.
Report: 10.09
